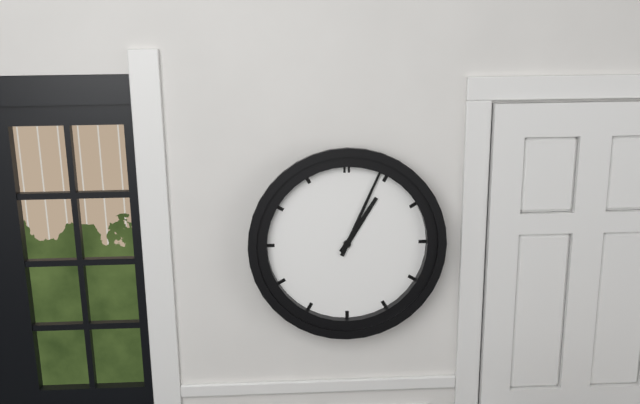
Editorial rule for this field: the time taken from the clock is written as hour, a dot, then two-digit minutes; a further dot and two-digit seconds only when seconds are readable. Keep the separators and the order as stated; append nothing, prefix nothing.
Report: 1.04
